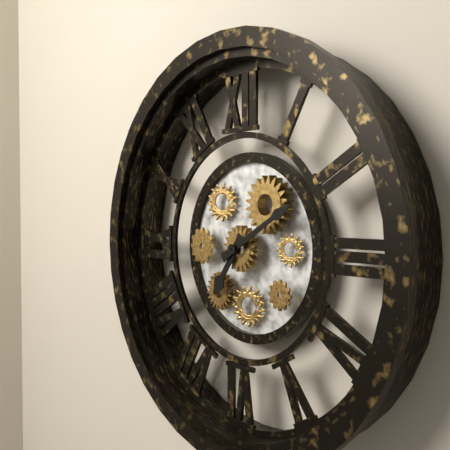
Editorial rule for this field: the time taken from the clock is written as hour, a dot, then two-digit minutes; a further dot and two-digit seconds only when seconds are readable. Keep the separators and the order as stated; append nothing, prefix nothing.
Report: 7.10
